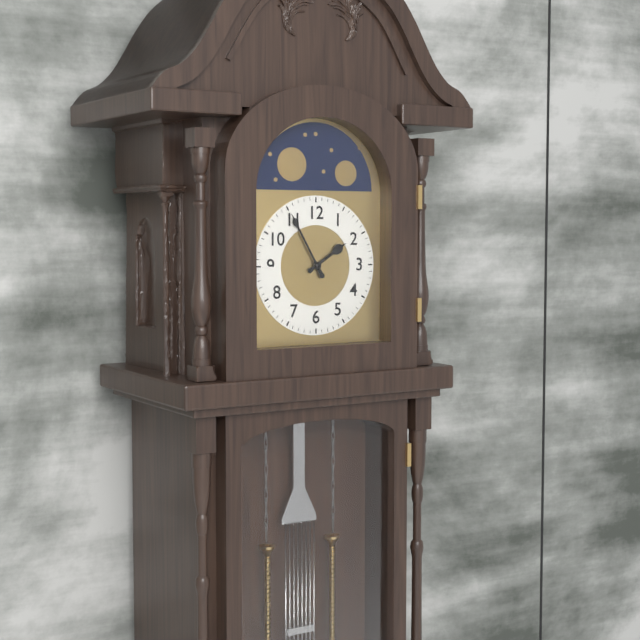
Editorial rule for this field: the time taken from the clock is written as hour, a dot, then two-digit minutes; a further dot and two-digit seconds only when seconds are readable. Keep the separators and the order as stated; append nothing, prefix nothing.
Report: 1.55
